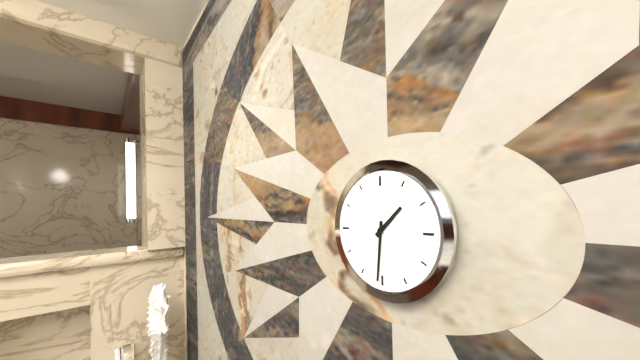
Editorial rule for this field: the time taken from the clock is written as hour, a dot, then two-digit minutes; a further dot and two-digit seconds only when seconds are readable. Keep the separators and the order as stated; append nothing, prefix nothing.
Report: 1.31
